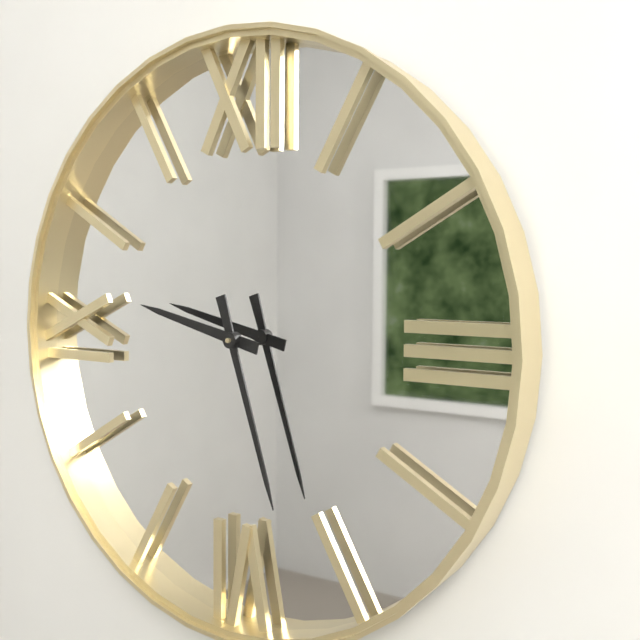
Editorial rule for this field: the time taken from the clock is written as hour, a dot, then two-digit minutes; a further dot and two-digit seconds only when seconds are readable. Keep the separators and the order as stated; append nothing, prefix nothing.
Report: 9.27
